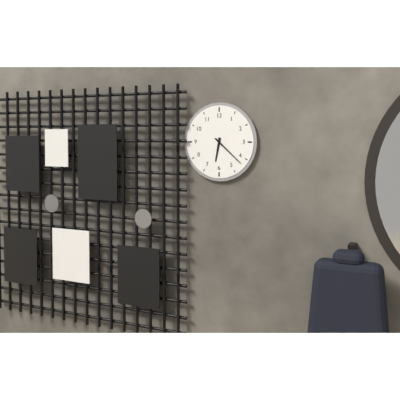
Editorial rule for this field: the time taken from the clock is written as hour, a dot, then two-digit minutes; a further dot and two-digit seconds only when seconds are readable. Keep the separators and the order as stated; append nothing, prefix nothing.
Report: 6.22
